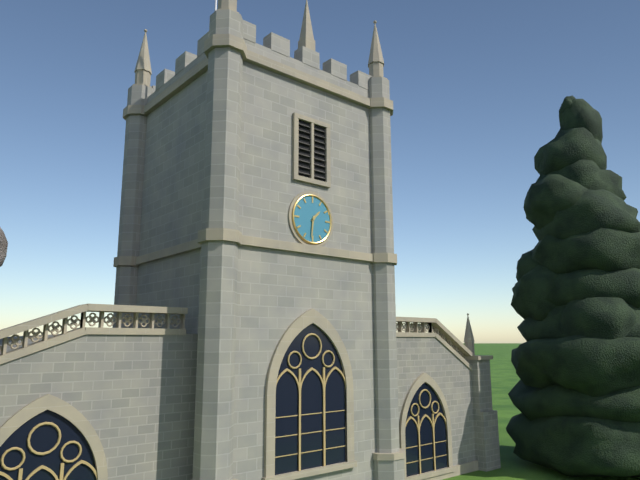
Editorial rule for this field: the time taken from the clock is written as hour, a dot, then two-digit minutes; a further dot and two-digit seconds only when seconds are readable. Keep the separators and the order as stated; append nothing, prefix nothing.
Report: 1.31
